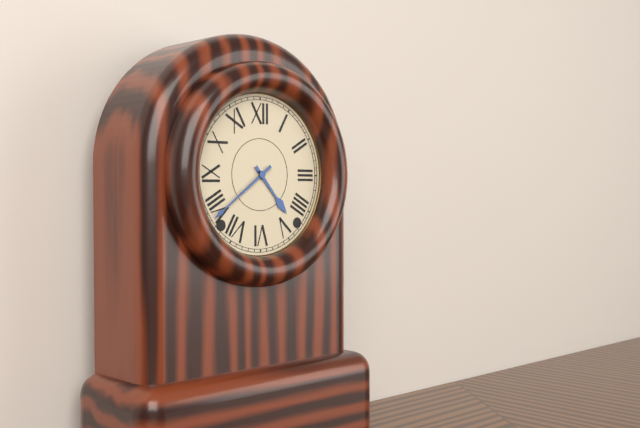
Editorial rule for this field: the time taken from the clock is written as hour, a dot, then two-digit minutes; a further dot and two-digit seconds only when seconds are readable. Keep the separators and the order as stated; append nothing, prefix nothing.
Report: 4.39
